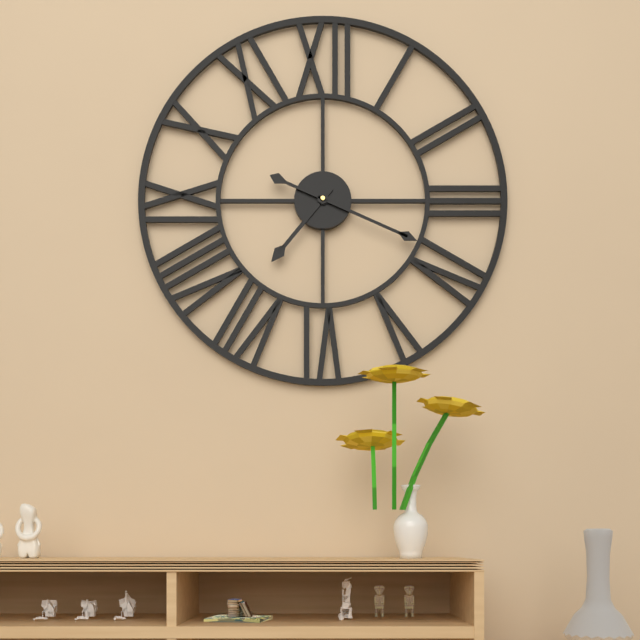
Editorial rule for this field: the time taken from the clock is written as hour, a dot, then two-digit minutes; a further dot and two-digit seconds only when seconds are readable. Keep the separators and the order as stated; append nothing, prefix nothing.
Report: 7.19
